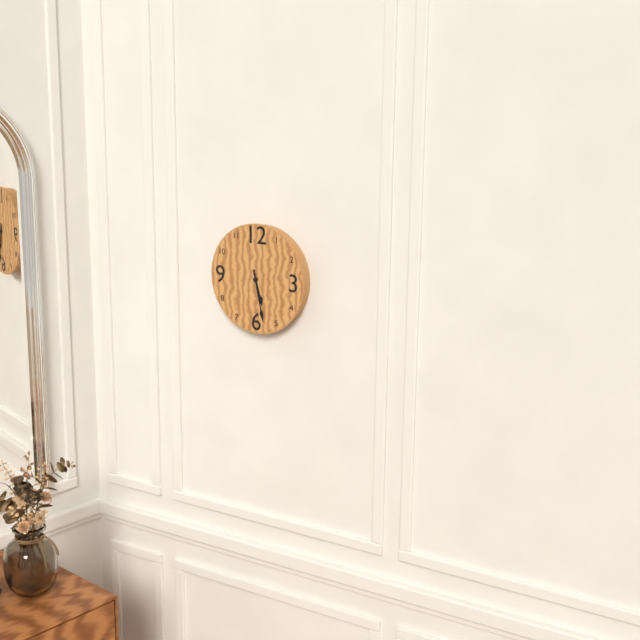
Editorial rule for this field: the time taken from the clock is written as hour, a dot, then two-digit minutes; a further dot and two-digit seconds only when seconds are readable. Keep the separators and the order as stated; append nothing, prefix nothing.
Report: 5.28
